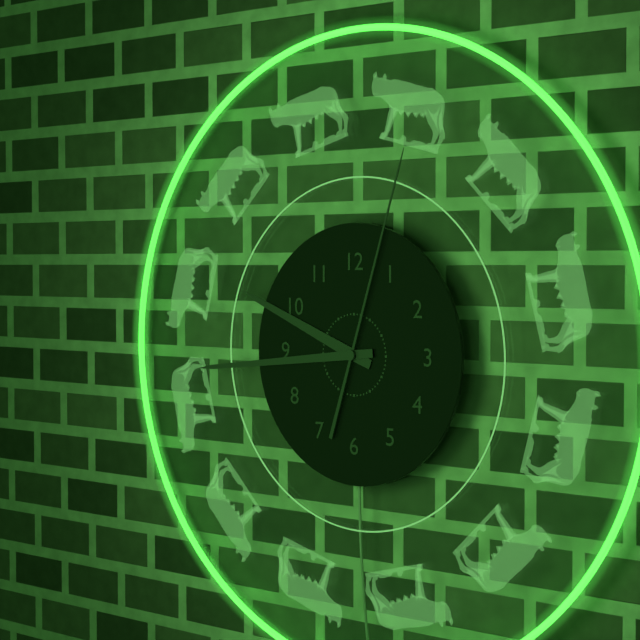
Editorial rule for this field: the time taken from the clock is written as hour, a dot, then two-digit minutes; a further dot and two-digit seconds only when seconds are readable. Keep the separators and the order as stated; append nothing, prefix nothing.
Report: 9.44.03
